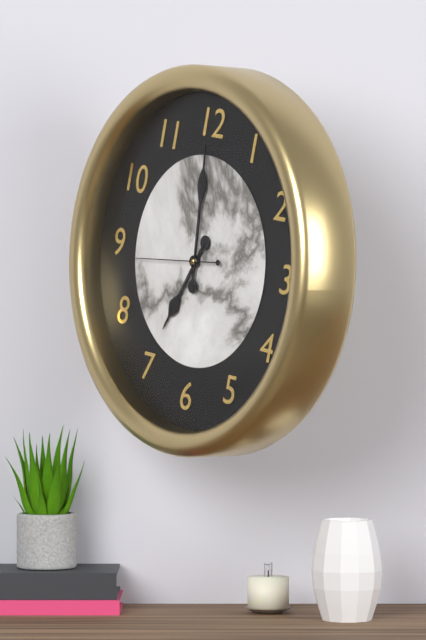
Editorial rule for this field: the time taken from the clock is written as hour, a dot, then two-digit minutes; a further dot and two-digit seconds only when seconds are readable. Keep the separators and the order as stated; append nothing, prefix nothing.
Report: 7.00.44
